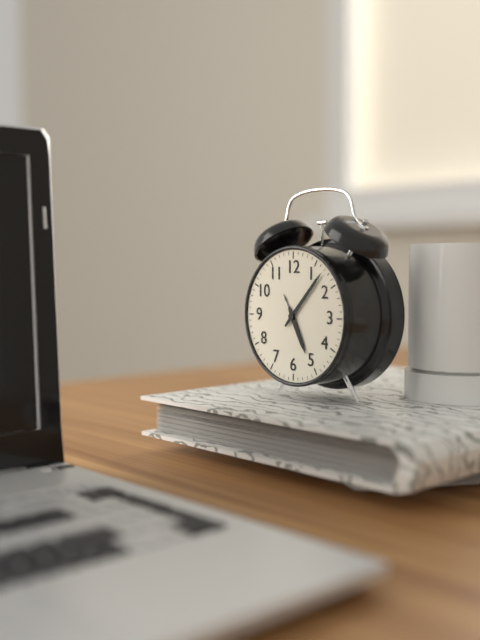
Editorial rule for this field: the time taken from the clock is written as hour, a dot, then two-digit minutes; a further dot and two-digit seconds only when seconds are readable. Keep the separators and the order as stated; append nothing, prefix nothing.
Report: 5.07
